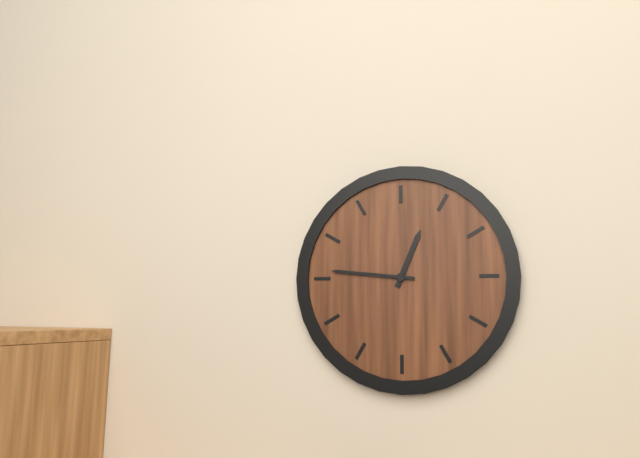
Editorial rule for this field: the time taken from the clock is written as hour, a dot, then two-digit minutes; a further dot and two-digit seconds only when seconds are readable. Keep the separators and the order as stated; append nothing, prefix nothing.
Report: 12.46
